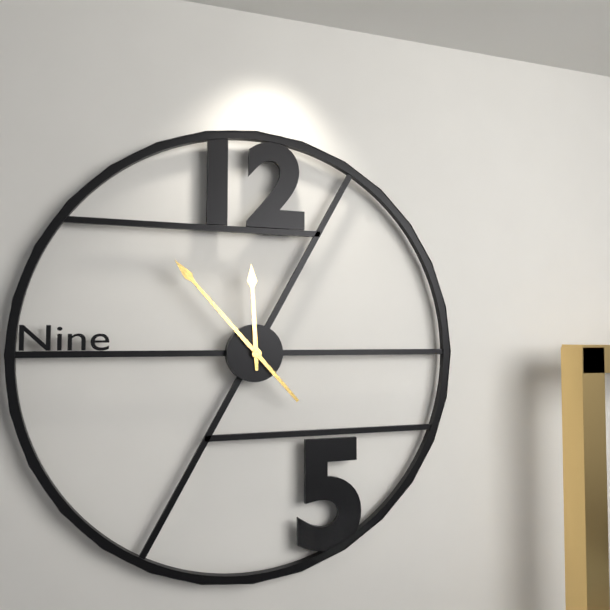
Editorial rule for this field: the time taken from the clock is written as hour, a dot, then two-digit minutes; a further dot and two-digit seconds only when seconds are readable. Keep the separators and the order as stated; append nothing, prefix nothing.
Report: 11.53
